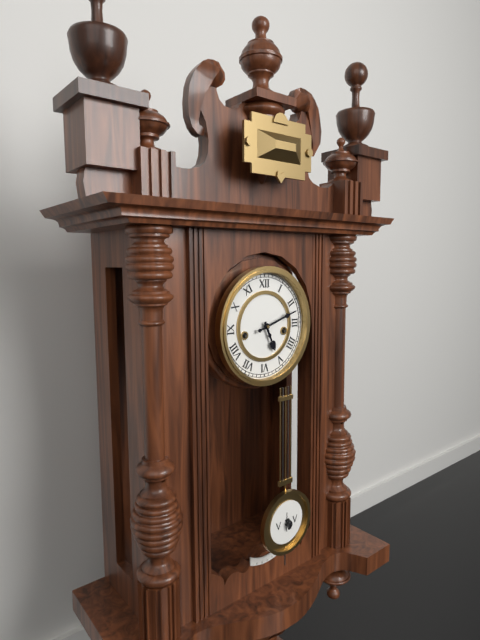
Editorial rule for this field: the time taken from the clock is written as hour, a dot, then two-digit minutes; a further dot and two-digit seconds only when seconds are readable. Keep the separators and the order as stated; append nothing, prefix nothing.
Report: 5.12
